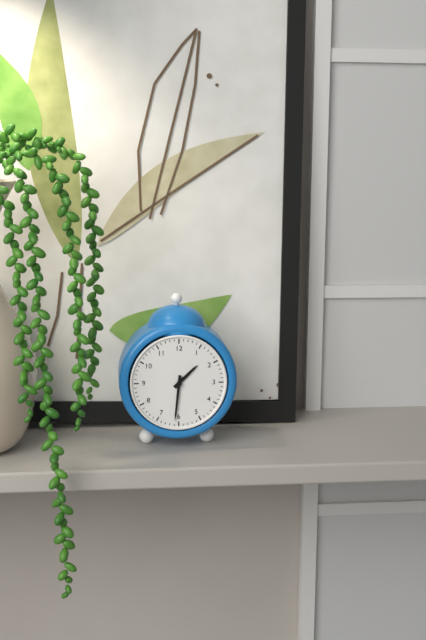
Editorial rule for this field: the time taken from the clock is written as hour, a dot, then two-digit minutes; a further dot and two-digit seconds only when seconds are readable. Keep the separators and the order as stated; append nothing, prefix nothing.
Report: 1.31
